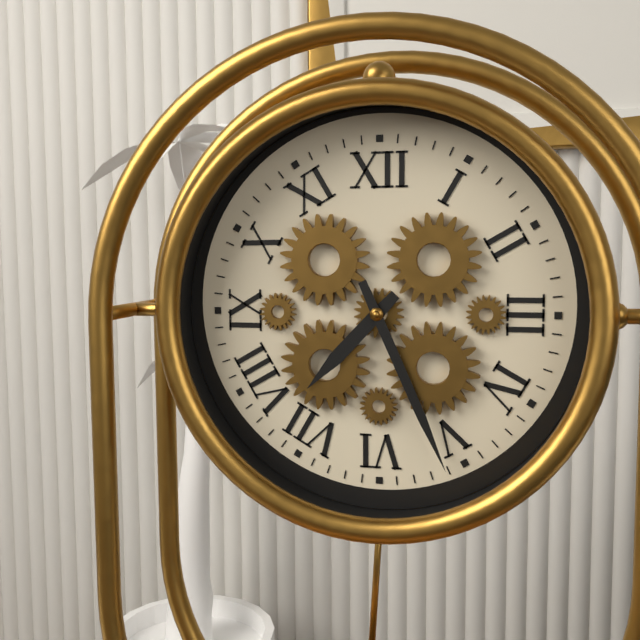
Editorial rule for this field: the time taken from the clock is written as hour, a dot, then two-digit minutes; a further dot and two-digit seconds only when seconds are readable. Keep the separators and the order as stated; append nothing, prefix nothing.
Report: 7.26
